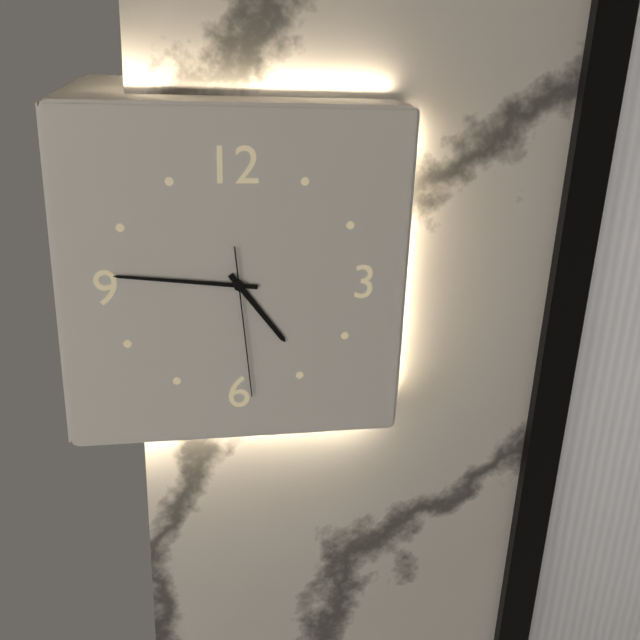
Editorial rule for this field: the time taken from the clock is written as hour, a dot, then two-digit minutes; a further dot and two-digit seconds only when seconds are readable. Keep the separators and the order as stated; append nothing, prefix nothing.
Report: 4.46.29
